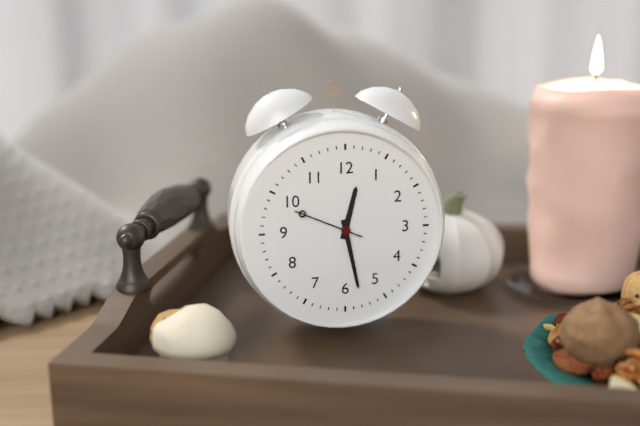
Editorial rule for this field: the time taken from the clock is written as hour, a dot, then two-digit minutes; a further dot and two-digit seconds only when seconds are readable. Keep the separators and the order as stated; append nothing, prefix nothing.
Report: 12.28.49
